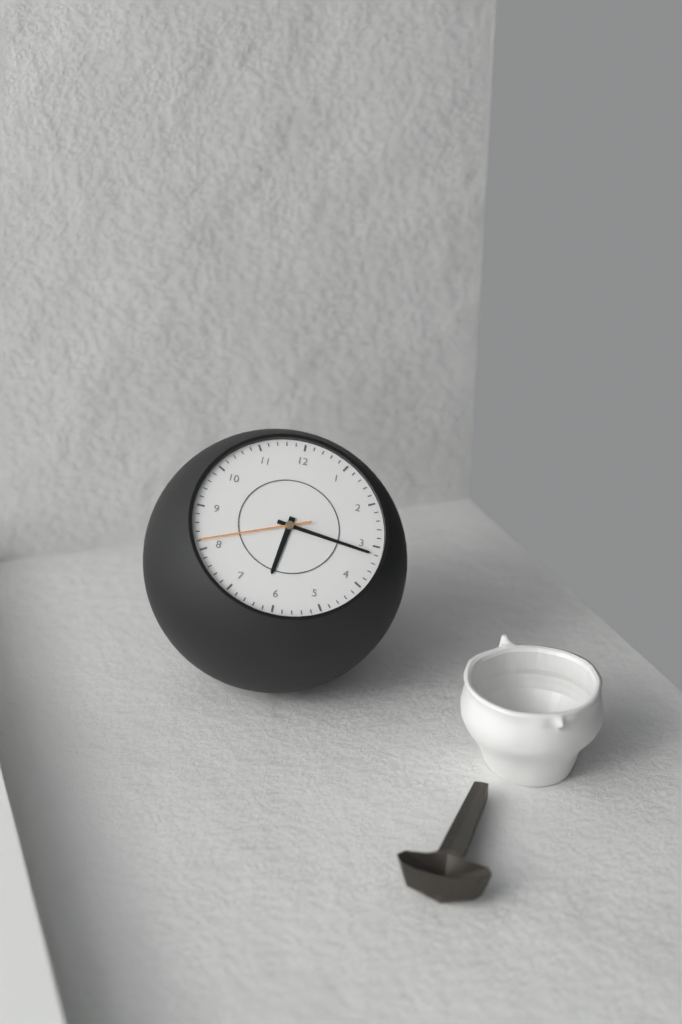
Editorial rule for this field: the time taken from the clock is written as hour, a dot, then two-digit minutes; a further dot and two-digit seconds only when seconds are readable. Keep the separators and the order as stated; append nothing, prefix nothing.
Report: 6.16.41
